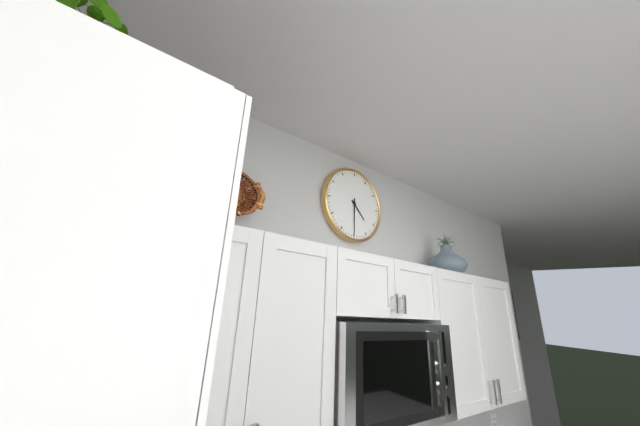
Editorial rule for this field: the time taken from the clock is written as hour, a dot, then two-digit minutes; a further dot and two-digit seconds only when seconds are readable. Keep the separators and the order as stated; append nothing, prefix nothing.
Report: 4.30
